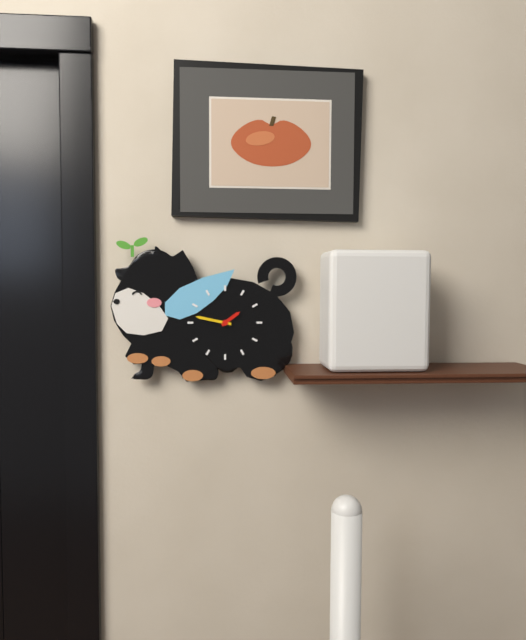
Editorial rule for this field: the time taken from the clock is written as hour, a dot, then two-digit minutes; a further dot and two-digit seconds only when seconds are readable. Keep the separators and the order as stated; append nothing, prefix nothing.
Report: 1.47
